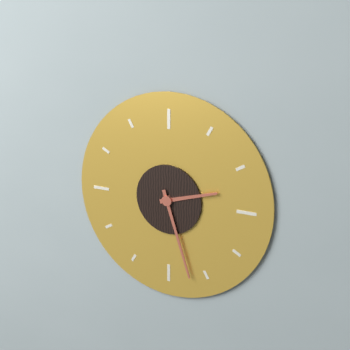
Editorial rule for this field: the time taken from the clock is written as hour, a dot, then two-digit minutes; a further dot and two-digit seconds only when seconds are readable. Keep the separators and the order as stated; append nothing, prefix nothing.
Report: 2.27
